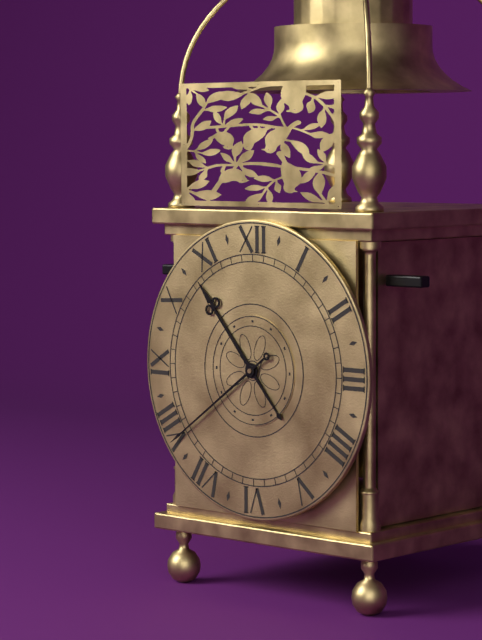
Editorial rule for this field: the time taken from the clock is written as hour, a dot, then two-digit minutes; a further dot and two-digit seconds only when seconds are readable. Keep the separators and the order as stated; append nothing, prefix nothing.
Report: 10.39
